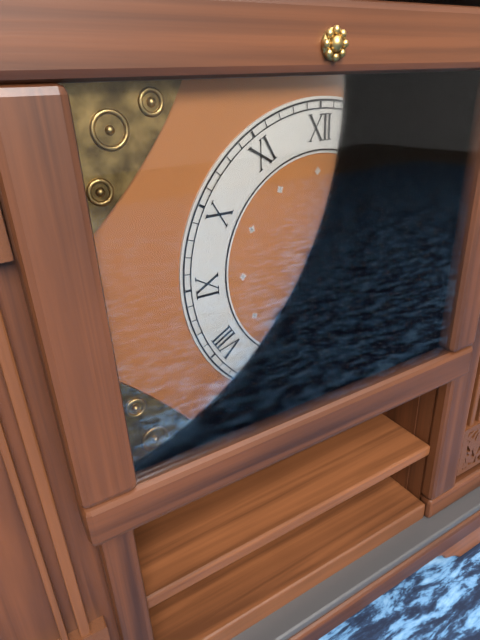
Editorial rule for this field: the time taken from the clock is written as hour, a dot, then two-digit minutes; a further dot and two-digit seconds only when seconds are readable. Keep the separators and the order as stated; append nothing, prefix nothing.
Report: 4.37.09
